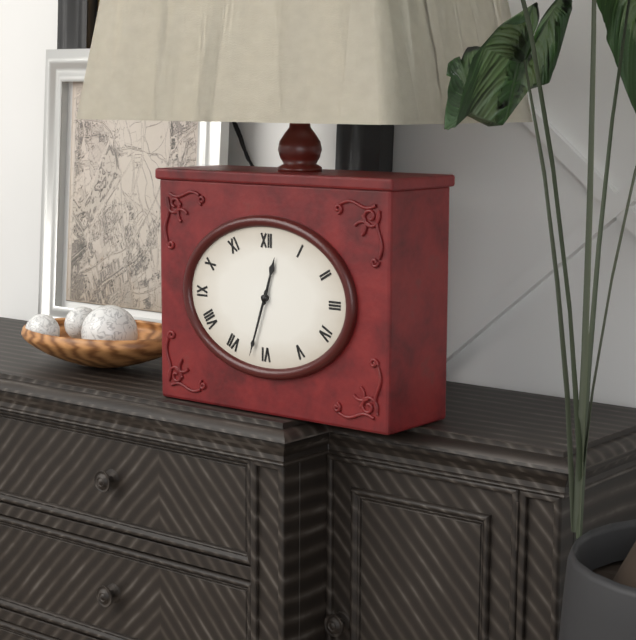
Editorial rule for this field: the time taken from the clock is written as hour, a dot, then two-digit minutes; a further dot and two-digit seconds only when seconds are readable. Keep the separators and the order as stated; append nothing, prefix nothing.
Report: 12.33
